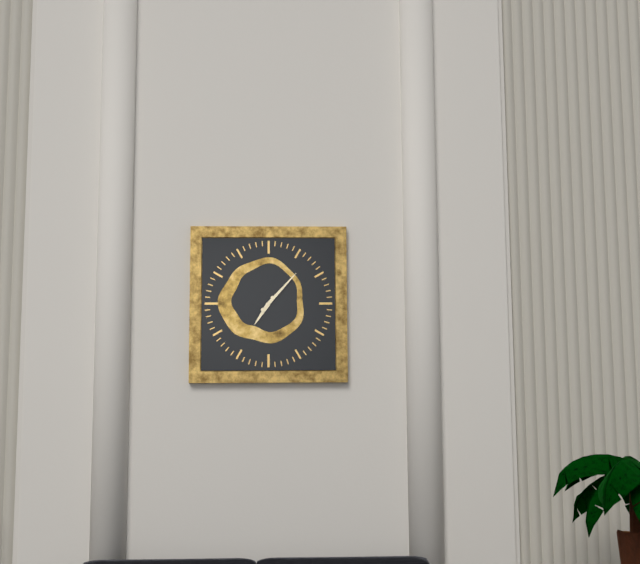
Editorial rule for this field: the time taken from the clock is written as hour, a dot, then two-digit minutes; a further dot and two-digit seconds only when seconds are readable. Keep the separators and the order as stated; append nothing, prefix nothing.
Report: 7.07
